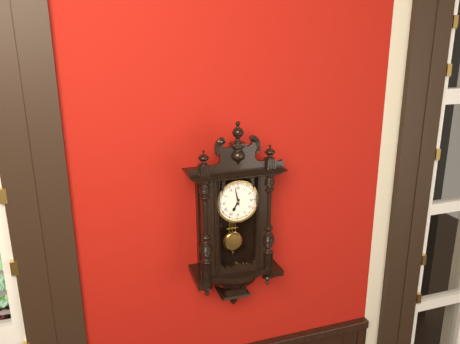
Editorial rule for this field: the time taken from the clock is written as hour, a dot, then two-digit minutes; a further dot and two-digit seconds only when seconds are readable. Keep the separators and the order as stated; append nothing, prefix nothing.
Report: 6.58
